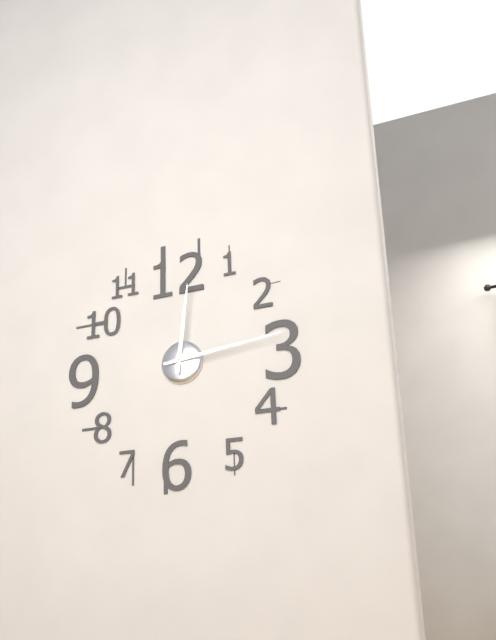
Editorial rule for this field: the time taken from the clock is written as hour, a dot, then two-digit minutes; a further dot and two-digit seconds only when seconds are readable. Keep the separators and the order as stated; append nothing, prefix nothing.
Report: 12.14
